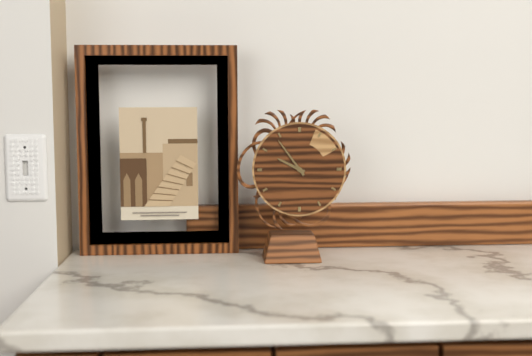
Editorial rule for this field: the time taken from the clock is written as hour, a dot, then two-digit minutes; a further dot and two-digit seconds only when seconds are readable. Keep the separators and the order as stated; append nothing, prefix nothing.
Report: 9.54
